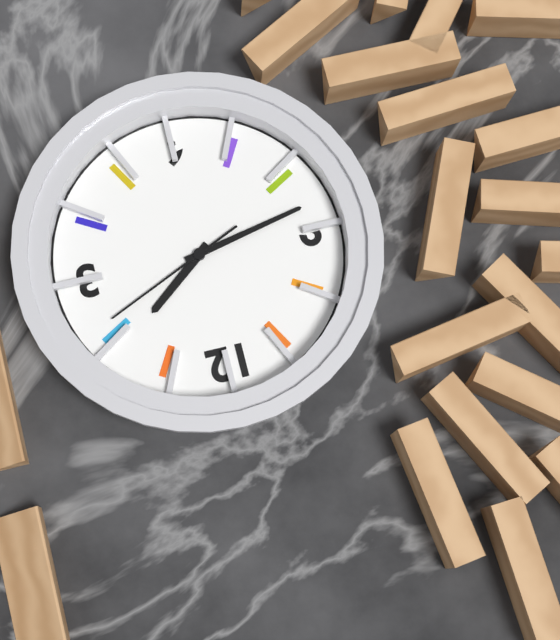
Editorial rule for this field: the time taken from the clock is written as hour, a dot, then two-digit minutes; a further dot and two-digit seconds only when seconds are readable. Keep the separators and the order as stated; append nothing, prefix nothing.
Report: 1.43.11
